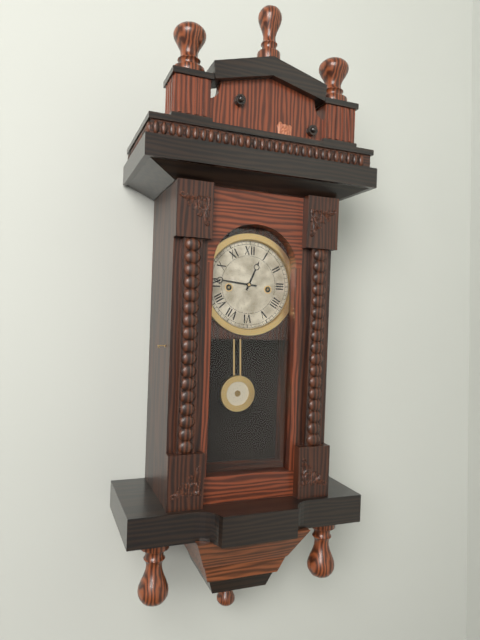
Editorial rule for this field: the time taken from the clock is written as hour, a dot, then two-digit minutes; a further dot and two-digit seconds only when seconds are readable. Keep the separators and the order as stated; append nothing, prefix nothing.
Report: 12.46
